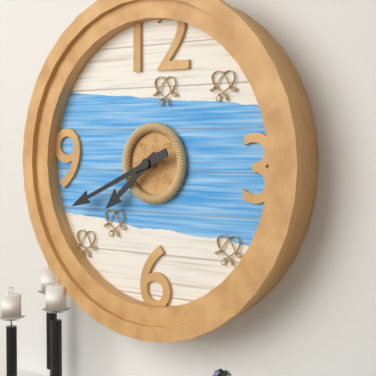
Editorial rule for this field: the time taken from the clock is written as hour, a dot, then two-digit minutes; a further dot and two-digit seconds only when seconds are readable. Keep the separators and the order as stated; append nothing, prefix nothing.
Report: 7.41
